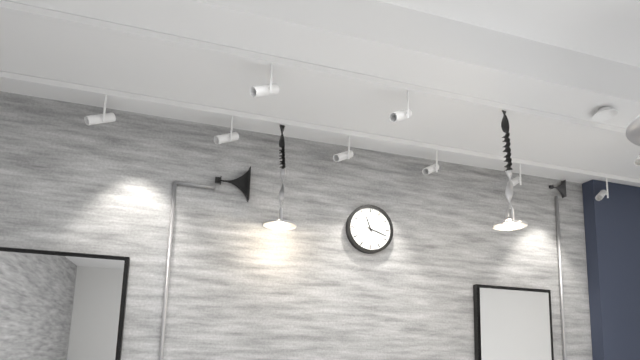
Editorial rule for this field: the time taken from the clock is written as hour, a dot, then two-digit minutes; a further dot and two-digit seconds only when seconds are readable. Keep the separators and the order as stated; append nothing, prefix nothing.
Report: 11.18
